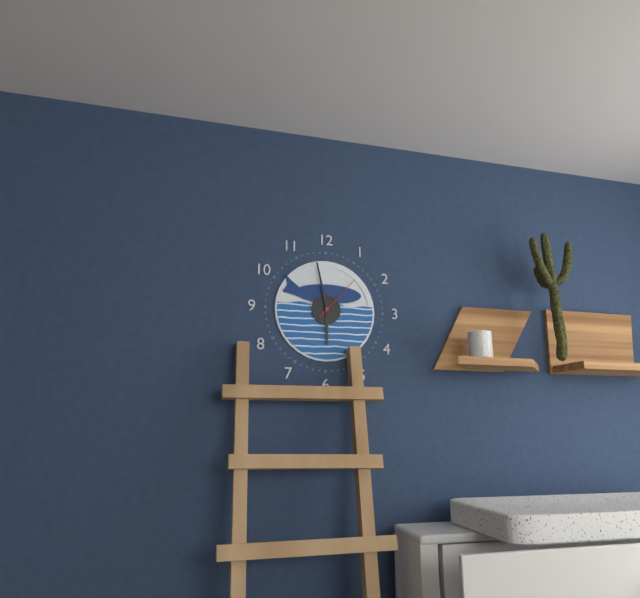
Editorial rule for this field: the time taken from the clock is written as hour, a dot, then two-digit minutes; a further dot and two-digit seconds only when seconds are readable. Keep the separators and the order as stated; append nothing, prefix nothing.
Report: 5.58.07
